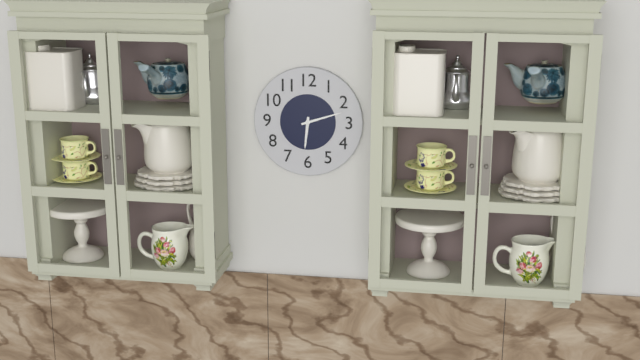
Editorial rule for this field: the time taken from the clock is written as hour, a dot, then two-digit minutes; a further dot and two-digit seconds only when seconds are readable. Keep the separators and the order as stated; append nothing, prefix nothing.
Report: 6.12
